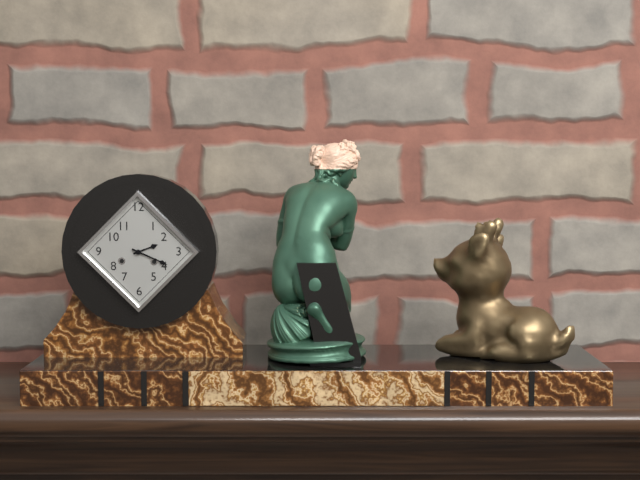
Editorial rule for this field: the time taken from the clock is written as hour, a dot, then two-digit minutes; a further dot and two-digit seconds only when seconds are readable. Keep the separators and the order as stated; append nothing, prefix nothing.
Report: 2.19
